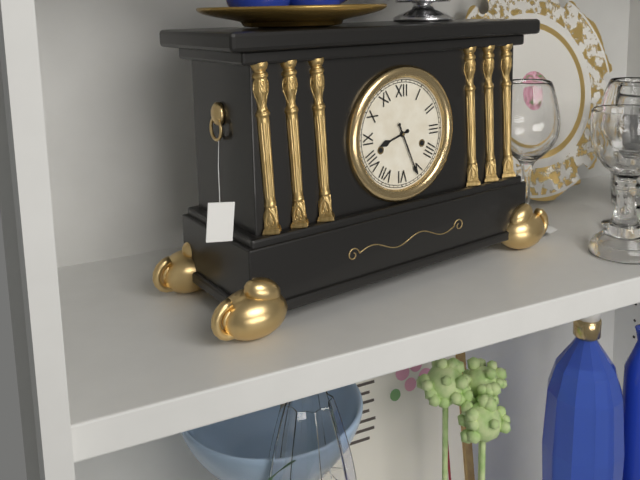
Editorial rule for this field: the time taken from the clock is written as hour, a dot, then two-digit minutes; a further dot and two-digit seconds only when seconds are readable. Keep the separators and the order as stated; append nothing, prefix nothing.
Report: 8.26
